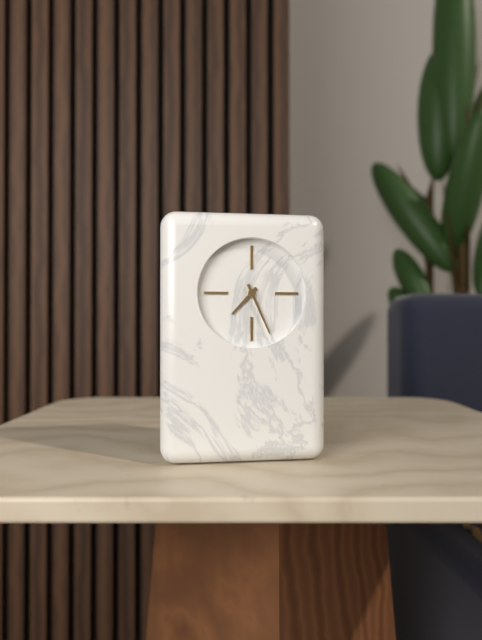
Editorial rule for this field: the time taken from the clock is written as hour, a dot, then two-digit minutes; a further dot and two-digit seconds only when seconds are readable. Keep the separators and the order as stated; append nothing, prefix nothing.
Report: 7.26
